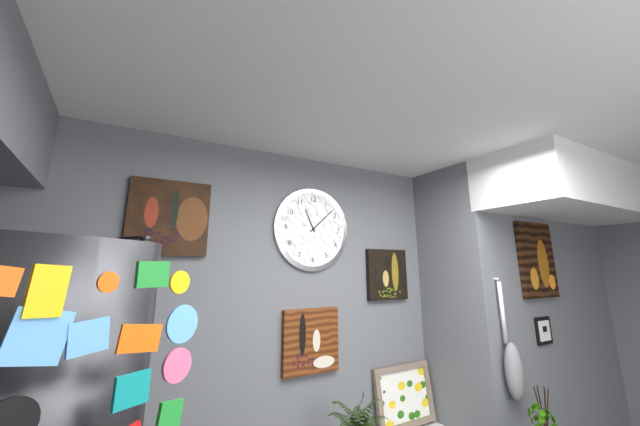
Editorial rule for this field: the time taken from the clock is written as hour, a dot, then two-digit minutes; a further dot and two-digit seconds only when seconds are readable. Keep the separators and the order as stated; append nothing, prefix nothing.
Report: 11.08
